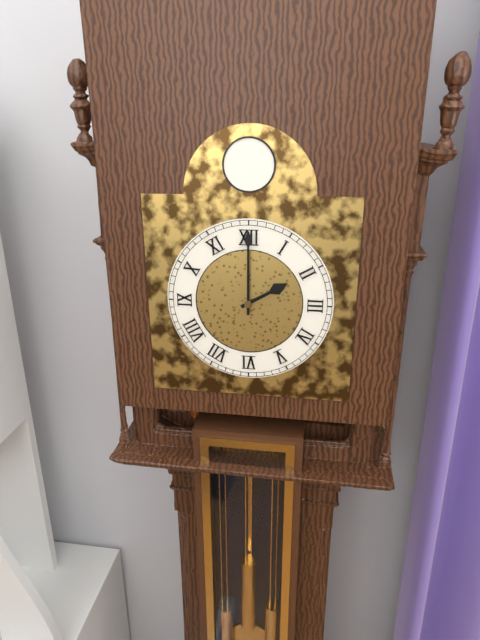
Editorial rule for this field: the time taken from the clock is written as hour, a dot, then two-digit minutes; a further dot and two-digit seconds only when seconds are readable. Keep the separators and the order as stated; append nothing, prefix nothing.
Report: 2.00
